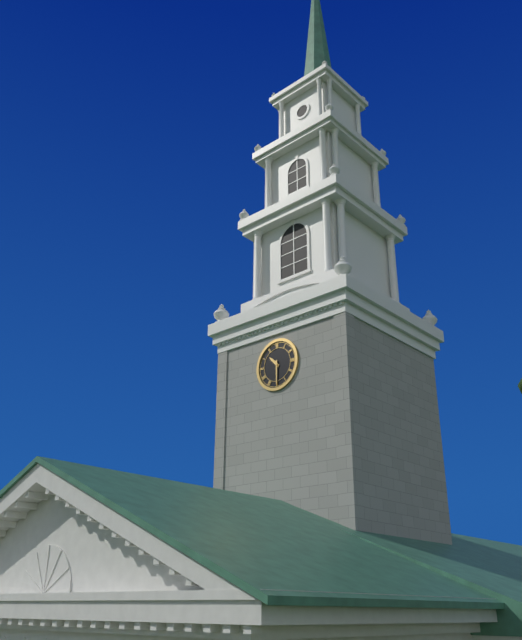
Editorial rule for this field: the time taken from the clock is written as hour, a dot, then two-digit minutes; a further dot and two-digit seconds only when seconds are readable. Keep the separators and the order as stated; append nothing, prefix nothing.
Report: 10.30
